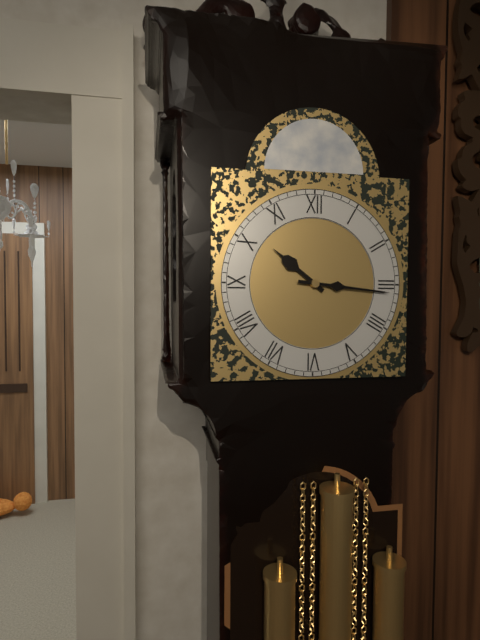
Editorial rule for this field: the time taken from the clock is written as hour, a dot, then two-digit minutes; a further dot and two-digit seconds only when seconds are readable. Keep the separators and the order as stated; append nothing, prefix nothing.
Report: 10.16
